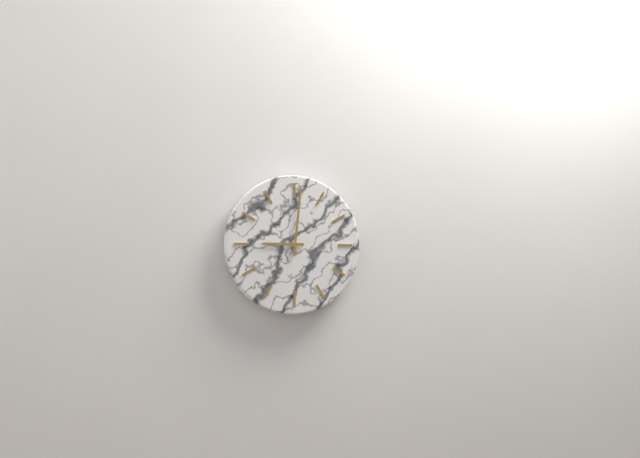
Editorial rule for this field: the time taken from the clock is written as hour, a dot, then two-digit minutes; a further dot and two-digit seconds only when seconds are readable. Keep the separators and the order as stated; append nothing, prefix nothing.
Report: 9.01
